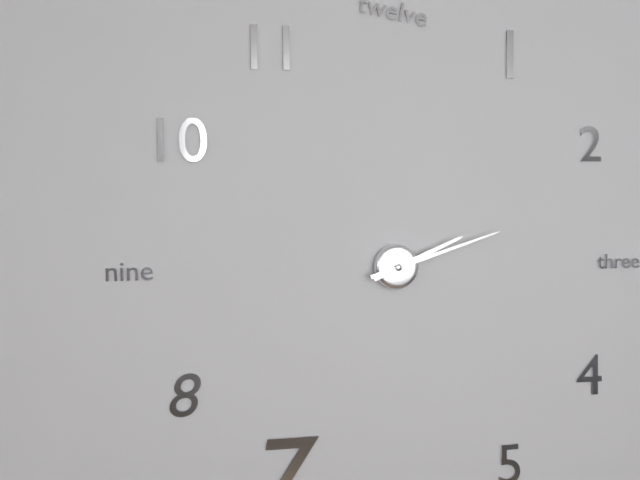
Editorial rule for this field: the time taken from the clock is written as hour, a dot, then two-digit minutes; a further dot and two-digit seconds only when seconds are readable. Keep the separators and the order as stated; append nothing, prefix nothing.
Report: 2.12
